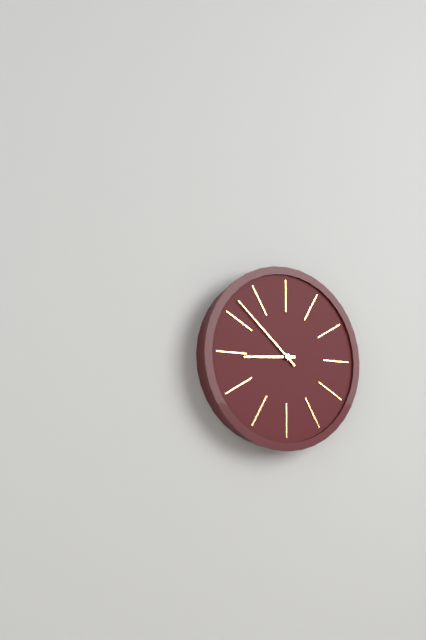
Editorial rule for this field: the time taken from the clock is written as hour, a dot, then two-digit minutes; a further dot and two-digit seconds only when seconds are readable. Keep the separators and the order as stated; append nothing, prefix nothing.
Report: 8.52
